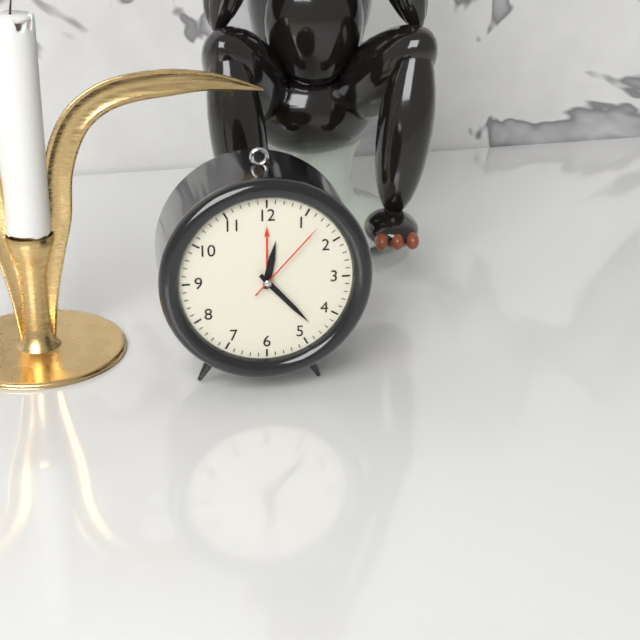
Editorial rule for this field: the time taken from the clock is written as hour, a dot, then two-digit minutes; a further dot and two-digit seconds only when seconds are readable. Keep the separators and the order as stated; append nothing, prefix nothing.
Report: 12.23.07
